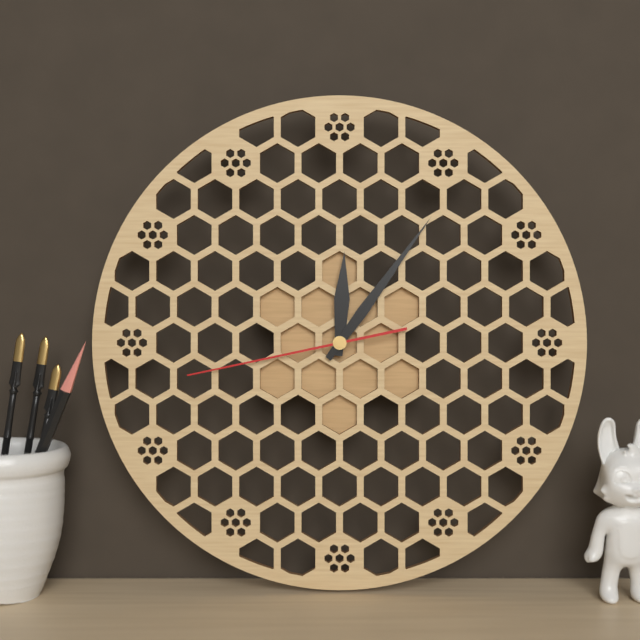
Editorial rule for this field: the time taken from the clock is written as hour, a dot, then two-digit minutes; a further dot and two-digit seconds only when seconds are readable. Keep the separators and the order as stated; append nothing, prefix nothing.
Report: 12.06.43
